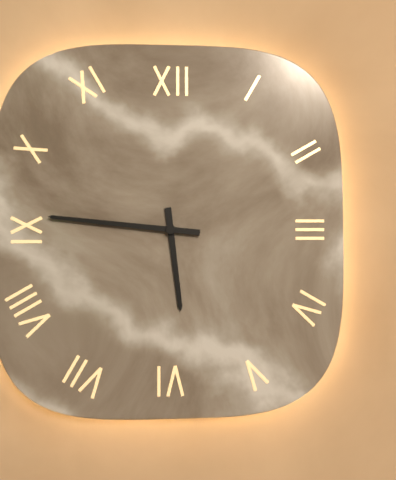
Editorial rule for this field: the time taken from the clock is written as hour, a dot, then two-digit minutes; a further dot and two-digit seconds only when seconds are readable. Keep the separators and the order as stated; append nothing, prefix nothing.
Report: 5.46
